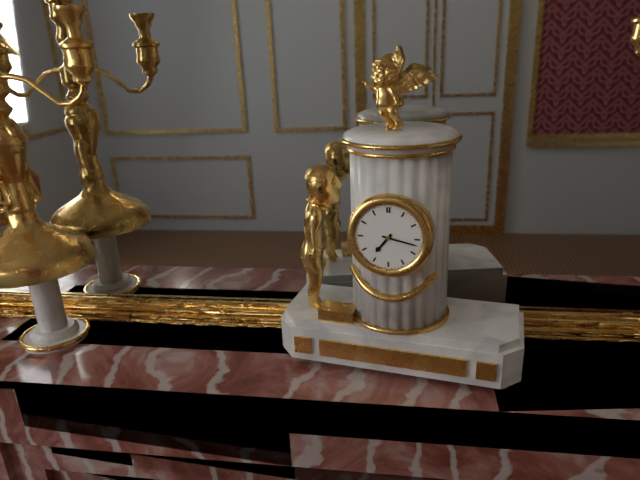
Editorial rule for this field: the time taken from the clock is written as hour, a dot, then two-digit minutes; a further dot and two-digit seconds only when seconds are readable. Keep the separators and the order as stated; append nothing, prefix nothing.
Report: 7.17
